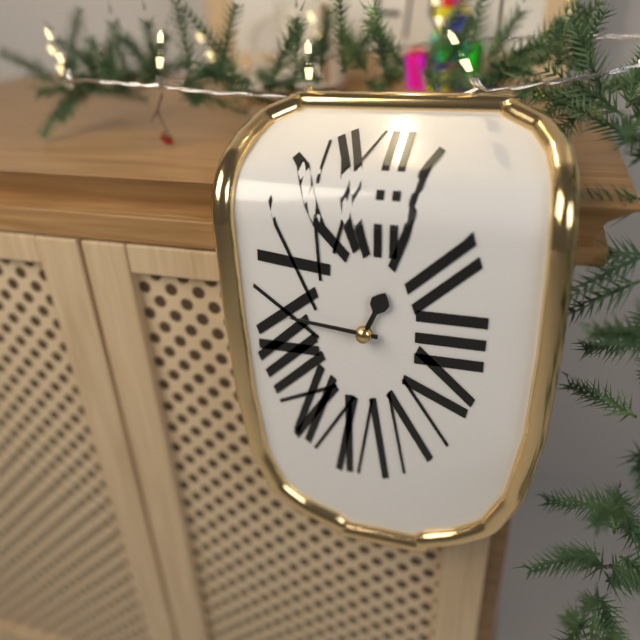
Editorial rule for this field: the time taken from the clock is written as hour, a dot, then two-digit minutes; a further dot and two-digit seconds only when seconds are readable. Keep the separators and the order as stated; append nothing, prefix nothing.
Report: 12.46
